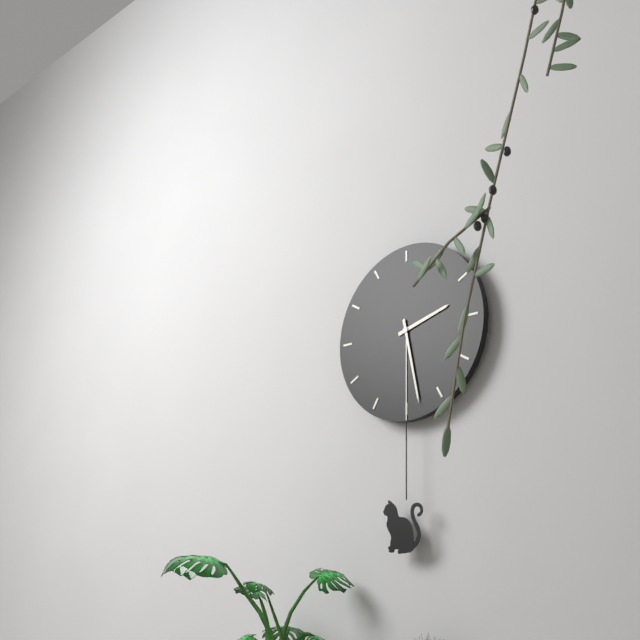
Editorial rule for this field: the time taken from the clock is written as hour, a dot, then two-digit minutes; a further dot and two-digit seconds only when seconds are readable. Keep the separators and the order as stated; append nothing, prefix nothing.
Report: 2.28
